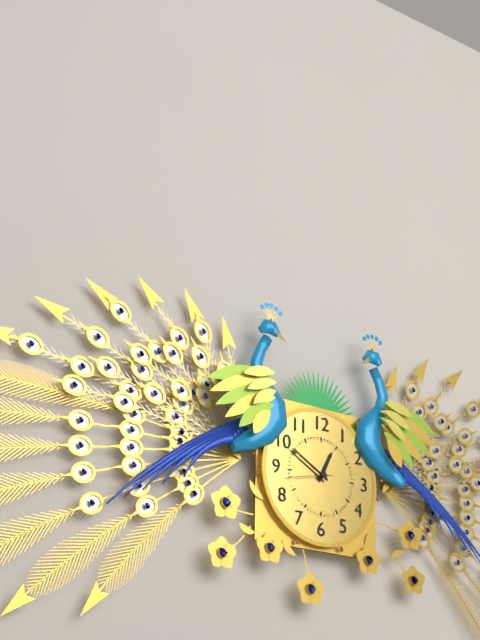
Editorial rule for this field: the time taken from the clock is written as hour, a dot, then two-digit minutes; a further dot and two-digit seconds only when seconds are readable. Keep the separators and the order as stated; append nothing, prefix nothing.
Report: 12.50
